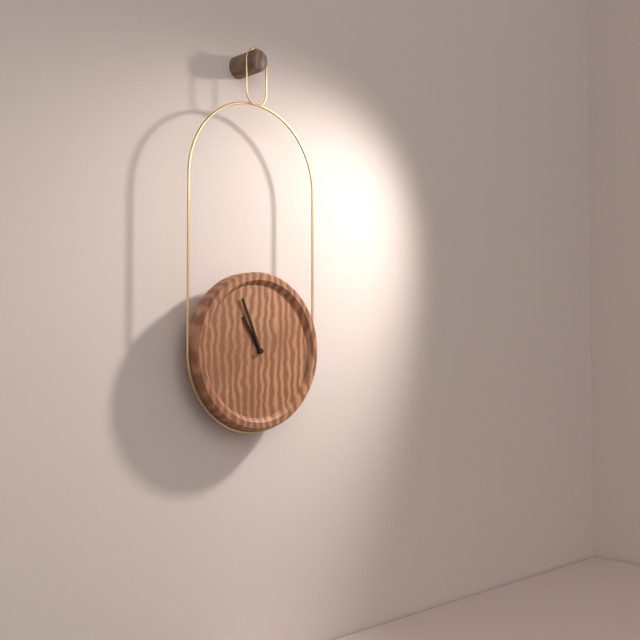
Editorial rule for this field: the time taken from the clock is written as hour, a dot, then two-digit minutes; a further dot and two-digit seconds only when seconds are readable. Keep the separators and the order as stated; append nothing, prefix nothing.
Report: 10.56
